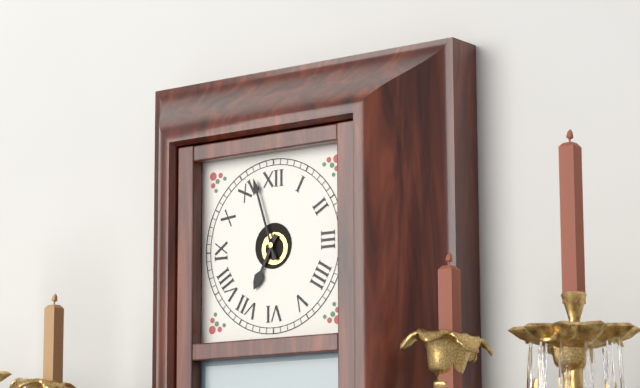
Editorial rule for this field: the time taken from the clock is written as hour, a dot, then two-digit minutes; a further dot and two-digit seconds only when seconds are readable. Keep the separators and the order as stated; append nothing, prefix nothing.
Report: 6.57
